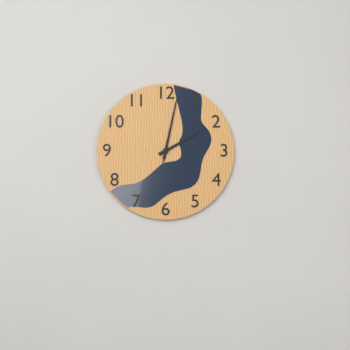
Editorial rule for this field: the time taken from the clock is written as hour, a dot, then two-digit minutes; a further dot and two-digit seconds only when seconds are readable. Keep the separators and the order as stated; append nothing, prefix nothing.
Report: 2.02.02
